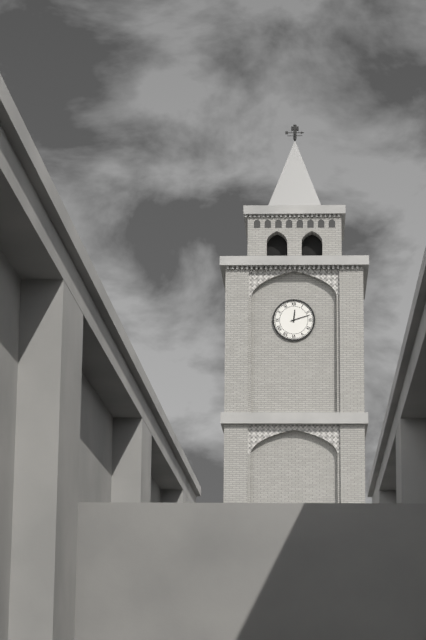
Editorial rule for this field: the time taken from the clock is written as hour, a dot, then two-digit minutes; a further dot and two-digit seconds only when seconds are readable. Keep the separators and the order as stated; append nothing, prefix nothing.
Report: 12.12
